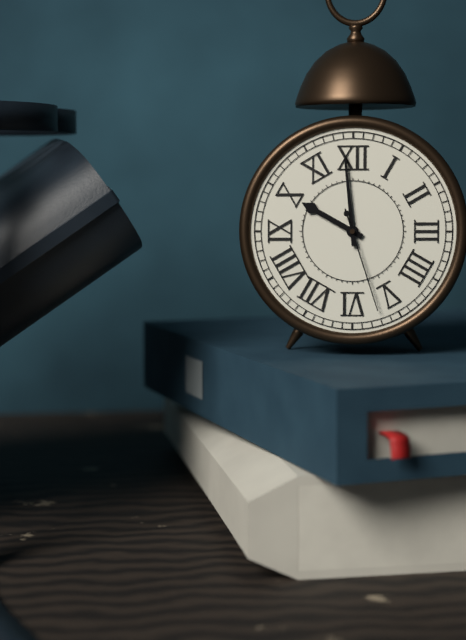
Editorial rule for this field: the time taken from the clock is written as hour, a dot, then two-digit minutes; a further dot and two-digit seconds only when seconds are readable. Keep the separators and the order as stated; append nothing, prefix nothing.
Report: 9.59.27
